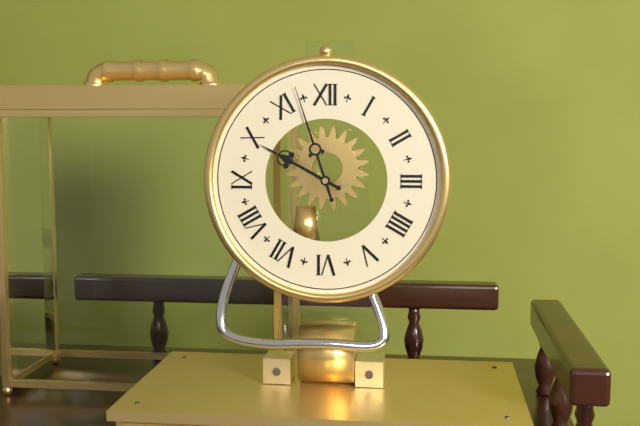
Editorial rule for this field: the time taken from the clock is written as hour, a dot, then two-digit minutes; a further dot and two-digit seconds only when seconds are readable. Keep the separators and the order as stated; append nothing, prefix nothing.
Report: 9.57
